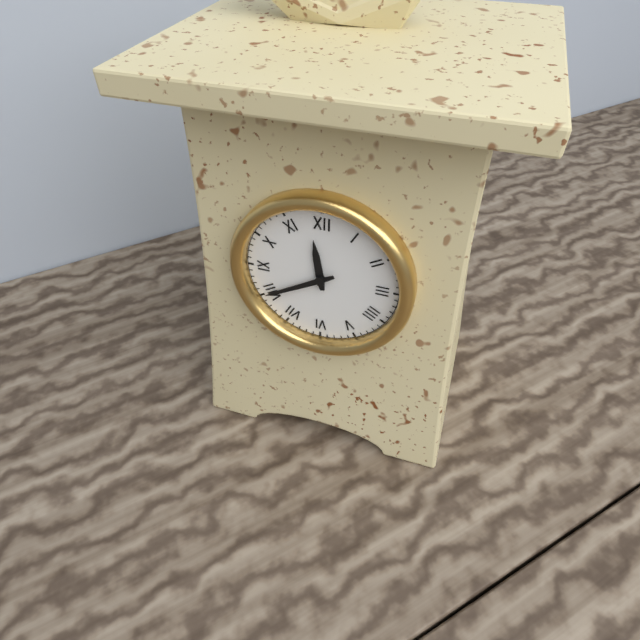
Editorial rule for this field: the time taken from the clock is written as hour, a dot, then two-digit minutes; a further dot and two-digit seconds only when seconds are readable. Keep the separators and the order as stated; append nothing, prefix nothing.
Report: 11.40
